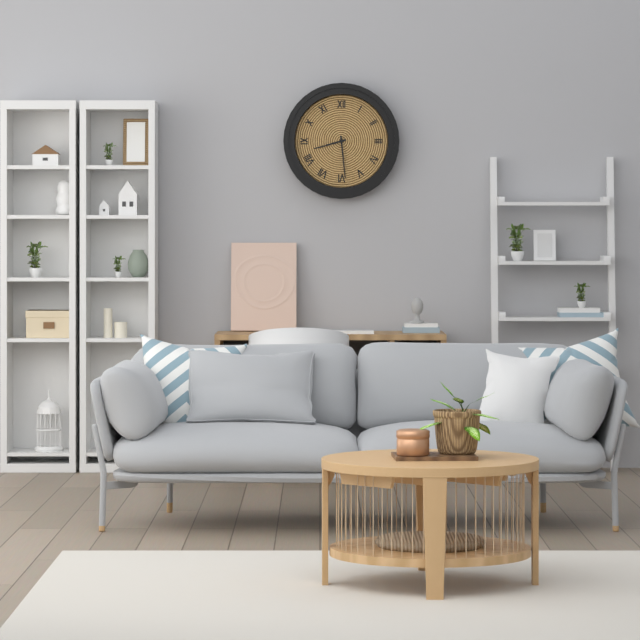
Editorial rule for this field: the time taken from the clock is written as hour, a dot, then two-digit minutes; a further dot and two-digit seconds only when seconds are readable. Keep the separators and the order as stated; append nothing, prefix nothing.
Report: 8.29
